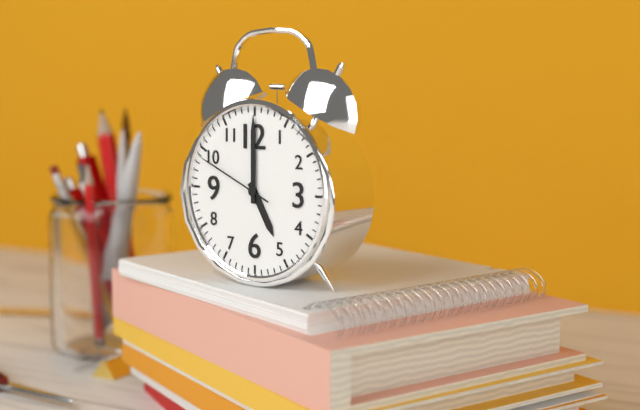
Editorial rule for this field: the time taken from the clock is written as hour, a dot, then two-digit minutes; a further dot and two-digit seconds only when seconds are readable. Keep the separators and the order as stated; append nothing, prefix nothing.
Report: 5.00.49
